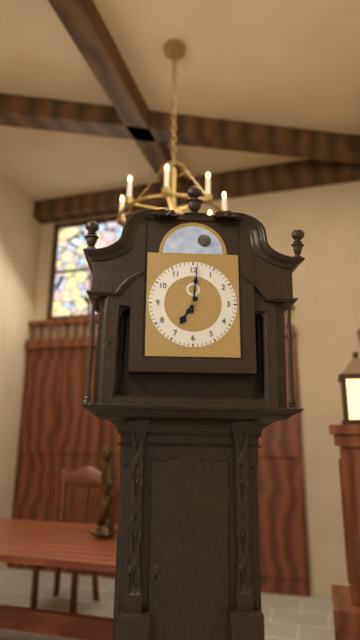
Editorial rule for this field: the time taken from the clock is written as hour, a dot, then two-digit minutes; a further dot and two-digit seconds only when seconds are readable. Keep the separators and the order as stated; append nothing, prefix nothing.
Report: 7.01
